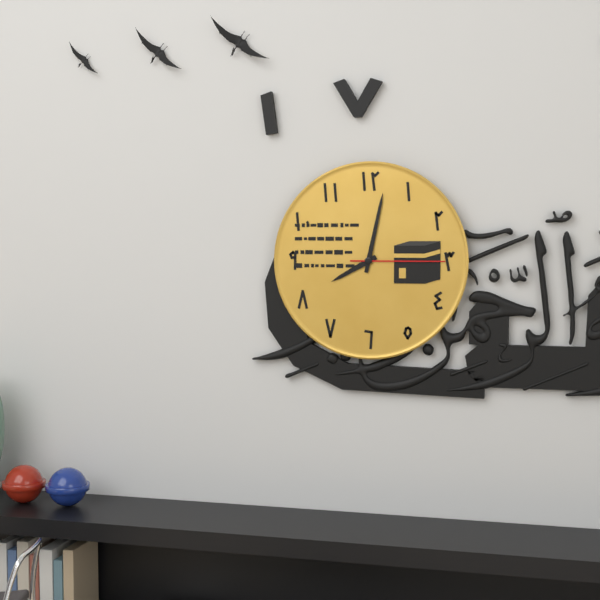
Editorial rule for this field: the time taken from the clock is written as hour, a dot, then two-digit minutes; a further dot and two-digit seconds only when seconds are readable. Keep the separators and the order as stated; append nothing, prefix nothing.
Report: 8.02.15
